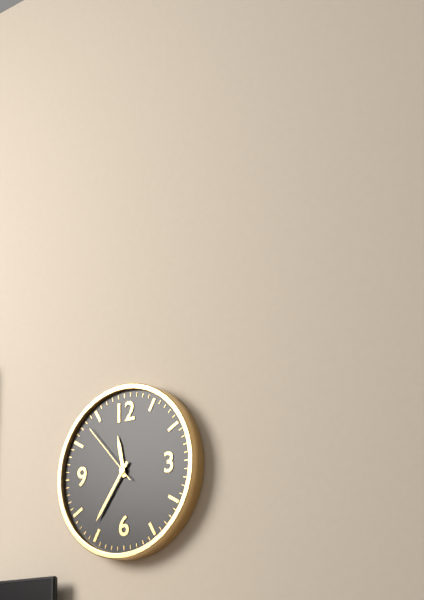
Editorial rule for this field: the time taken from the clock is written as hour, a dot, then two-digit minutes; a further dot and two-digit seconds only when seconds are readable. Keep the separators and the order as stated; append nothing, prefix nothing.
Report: 11.36.53
